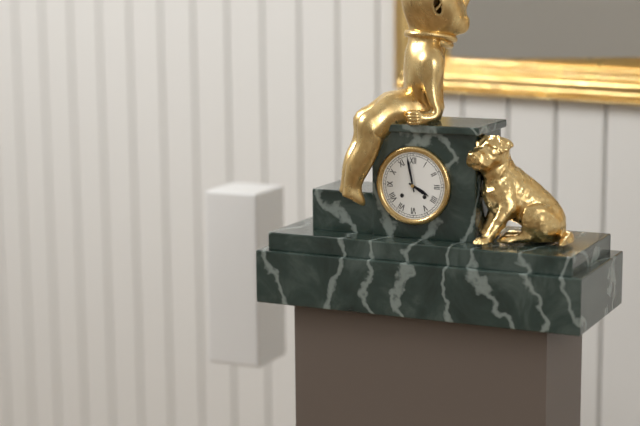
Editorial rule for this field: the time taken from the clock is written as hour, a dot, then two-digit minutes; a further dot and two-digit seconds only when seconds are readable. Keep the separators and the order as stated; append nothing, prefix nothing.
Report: 3.58
